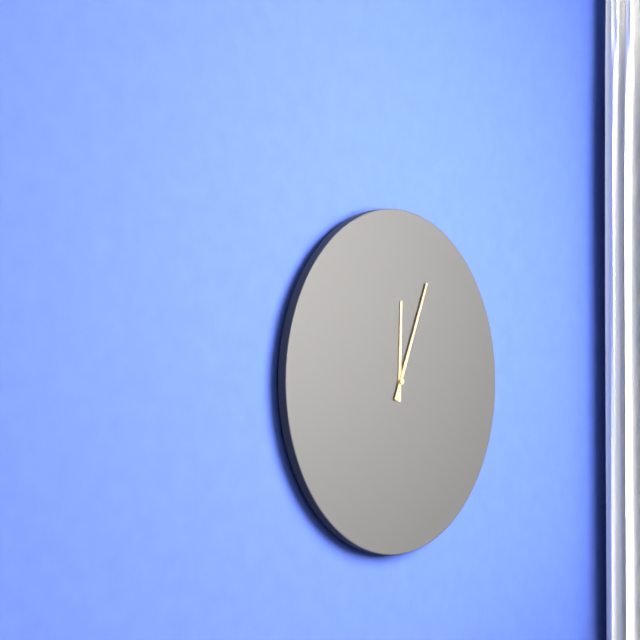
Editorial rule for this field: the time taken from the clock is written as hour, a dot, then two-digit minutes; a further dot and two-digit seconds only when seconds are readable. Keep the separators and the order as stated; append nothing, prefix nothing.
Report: 12.04
